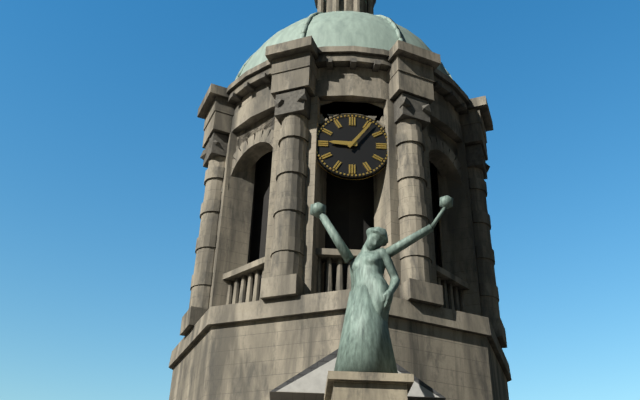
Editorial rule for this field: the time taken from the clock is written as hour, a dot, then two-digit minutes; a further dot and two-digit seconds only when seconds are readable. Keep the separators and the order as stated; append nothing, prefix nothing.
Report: 9.06
